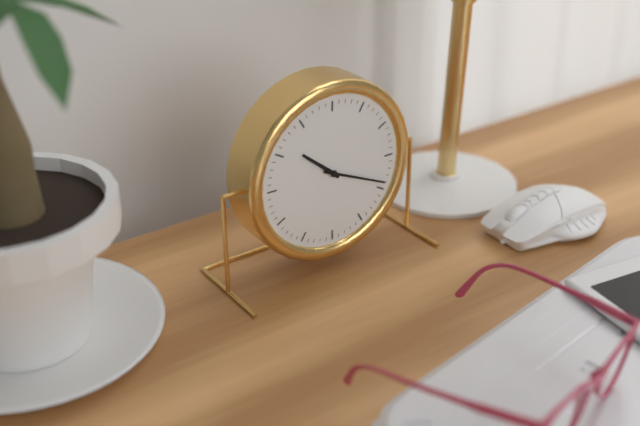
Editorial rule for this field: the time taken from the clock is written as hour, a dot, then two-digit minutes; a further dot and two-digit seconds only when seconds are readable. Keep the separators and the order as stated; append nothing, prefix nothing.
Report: 10.19
